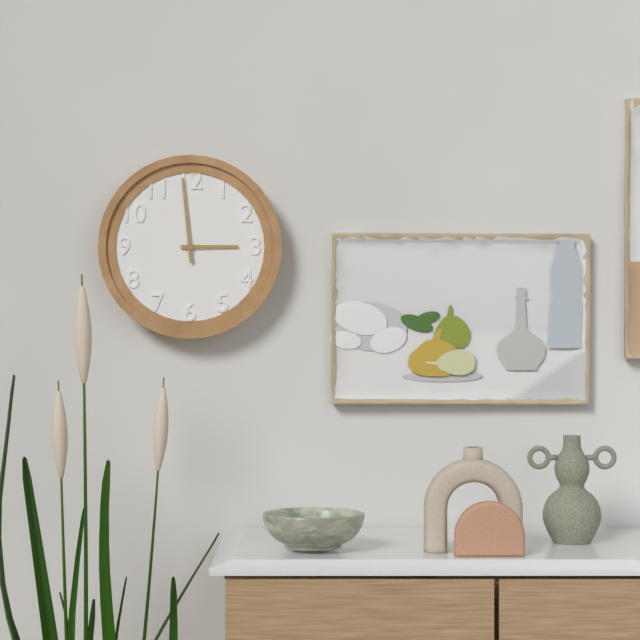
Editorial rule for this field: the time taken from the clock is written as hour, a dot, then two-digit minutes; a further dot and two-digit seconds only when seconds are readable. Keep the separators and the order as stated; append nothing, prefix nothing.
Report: 2.59
